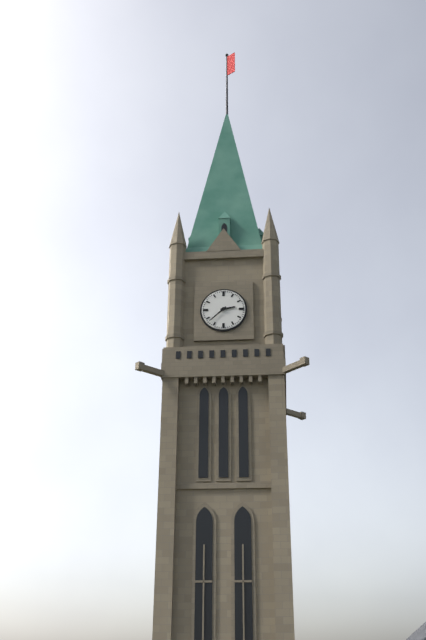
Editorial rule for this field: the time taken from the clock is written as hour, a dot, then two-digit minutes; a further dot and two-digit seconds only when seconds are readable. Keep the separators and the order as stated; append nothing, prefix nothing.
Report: 2.38
